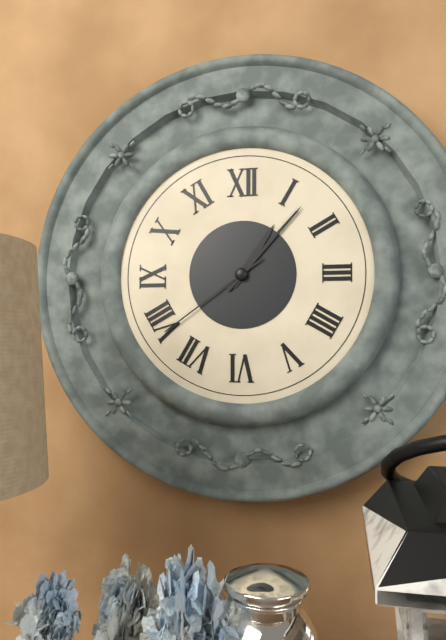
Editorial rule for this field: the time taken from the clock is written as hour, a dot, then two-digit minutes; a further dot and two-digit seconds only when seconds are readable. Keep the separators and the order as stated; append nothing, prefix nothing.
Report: 1.07.39
